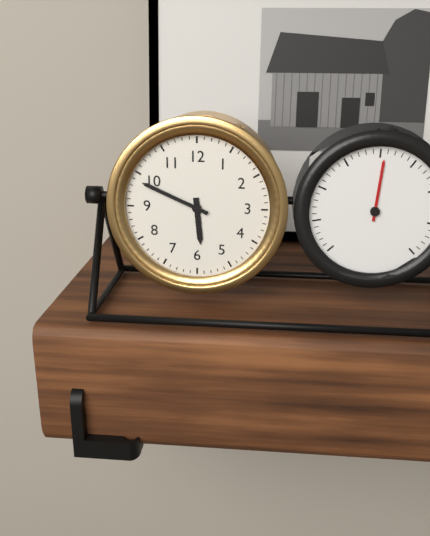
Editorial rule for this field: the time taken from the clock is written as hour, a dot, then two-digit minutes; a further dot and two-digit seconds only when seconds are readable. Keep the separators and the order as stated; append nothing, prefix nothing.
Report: 5.49
